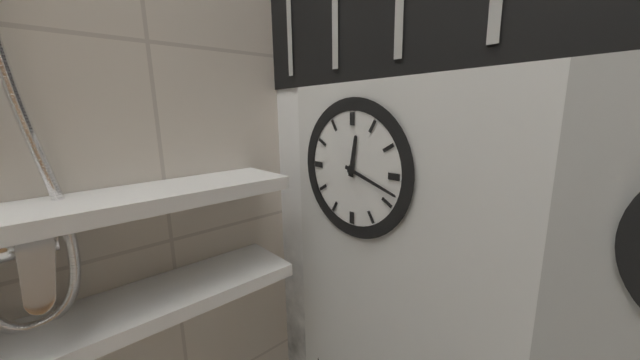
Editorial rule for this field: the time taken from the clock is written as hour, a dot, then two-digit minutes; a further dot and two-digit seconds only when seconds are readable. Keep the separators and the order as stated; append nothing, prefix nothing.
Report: 12.18
